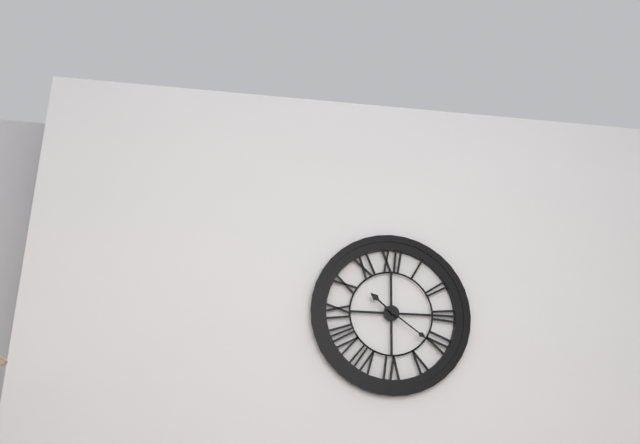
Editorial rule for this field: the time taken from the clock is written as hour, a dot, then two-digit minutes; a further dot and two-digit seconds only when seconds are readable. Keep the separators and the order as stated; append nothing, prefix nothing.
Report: 10.21
